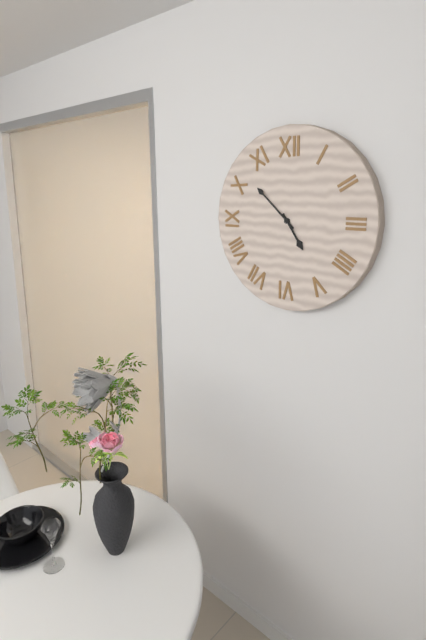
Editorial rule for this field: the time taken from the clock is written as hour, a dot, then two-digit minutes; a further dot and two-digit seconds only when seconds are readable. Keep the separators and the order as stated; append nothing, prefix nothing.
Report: 4.52
